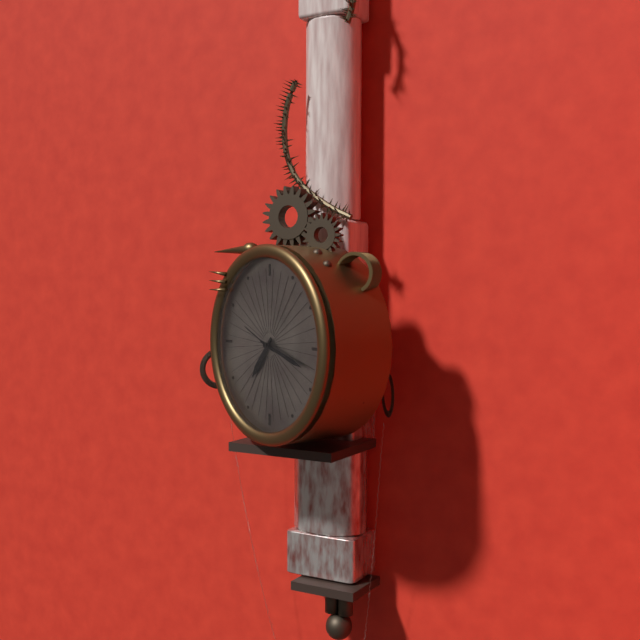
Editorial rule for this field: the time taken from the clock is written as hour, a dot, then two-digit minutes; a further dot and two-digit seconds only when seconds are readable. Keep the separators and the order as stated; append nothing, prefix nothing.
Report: 7.18
